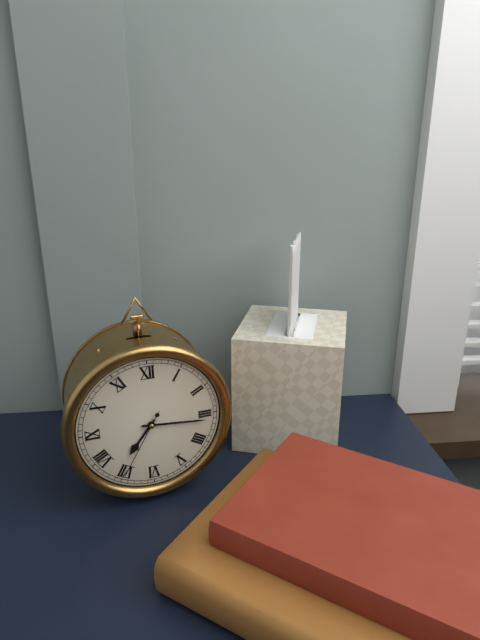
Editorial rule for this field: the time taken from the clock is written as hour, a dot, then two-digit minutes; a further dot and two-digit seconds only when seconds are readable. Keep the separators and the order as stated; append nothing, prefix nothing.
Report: 7.16.35
